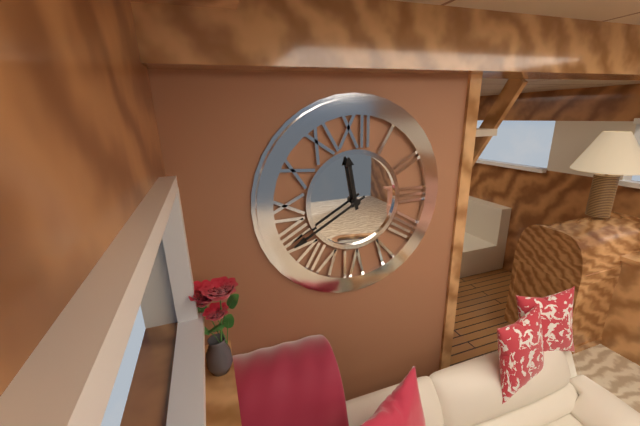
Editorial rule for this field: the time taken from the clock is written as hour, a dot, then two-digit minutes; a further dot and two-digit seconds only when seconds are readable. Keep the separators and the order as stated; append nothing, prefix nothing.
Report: 11.40
